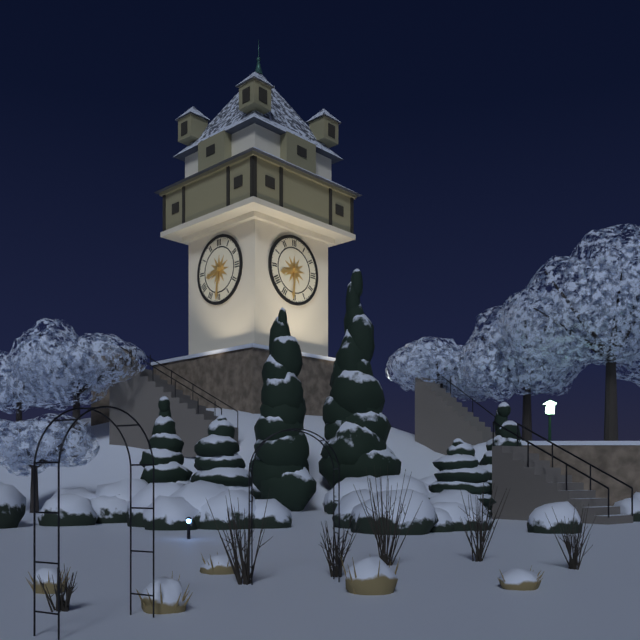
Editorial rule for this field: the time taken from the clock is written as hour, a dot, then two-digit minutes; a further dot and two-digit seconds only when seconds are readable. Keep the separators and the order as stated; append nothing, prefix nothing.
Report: 8.31
